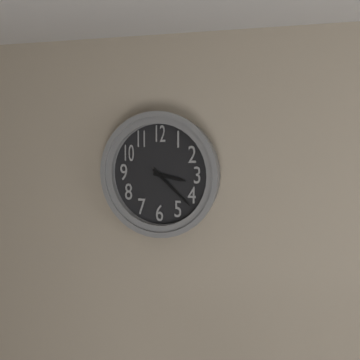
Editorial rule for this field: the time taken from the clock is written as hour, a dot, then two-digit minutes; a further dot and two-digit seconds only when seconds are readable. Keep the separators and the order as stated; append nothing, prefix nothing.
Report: 3.22
